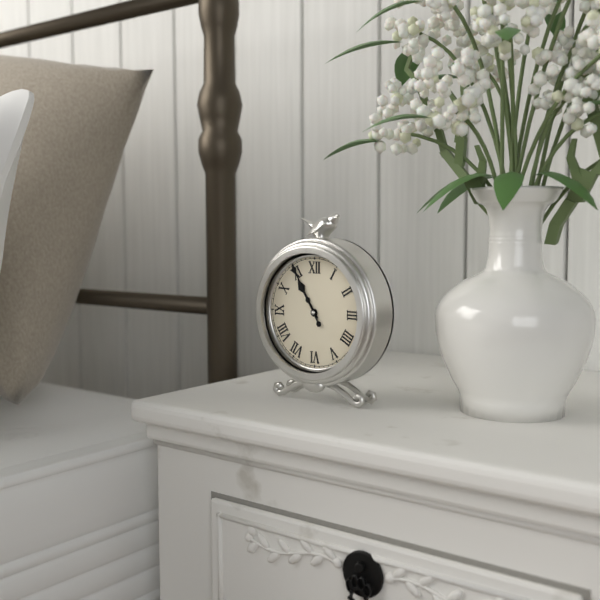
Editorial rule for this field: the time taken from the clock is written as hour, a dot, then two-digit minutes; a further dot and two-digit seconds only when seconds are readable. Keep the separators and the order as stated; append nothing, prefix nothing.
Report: 10.55
